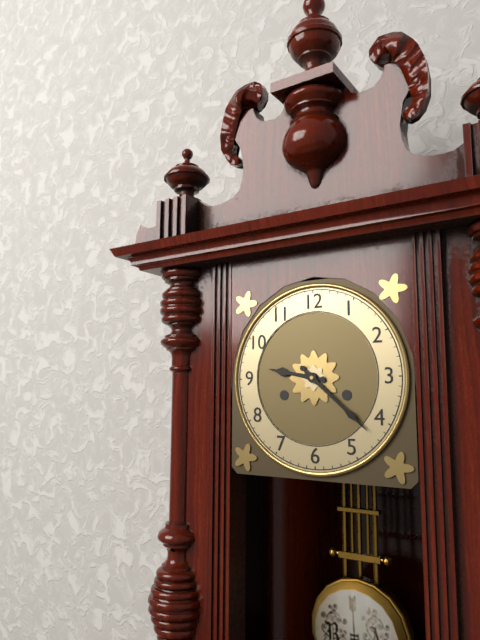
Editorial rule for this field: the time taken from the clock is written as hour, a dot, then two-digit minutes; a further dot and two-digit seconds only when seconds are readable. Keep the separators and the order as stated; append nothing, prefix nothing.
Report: 9.22
